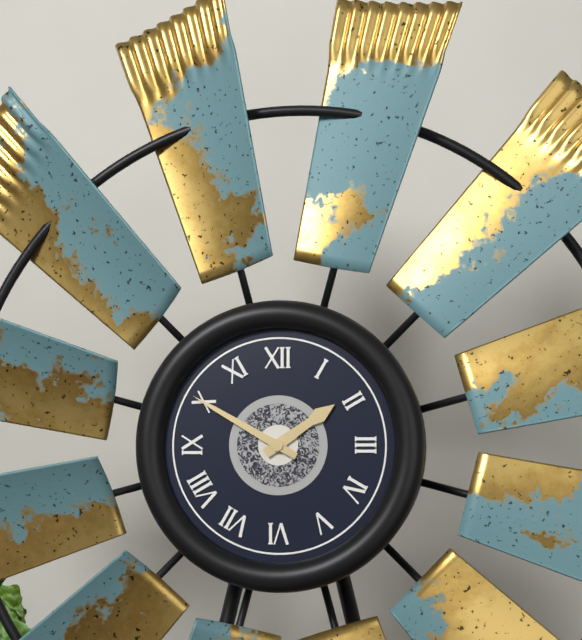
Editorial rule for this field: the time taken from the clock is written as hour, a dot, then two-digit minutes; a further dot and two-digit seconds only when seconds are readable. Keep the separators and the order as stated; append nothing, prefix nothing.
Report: 1.50
